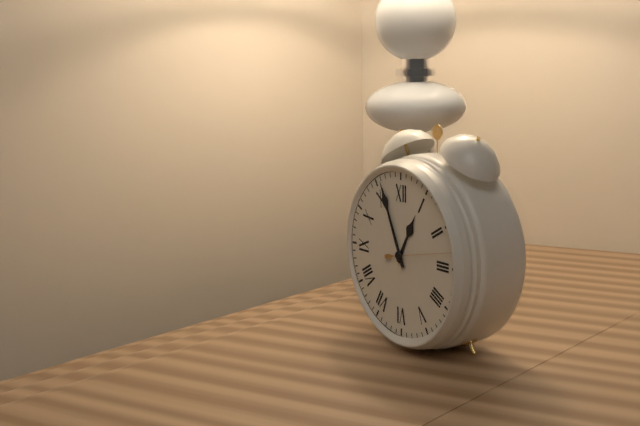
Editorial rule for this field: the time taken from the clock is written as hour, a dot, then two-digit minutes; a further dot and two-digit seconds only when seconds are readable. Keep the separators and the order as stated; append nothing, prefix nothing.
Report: 12.56.13
